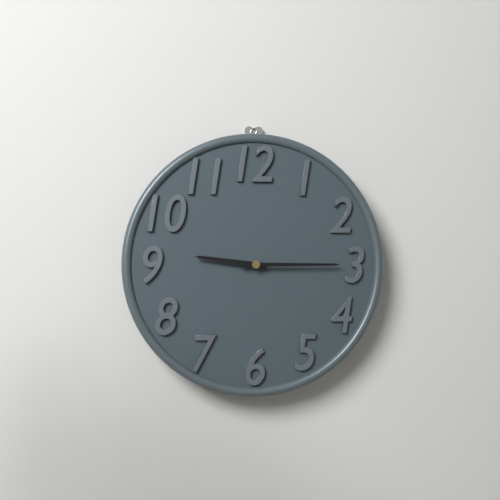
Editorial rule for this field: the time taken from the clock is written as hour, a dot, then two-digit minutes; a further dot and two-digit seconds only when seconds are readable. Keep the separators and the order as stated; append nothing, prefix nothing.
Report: 9.15
